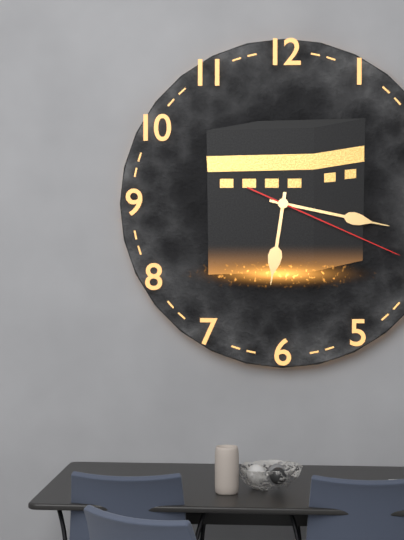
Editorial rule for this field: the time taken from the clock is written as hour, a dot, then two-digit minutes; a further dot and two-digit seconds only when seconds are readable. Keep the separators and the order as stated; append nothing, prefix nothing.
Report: 6.17.19
